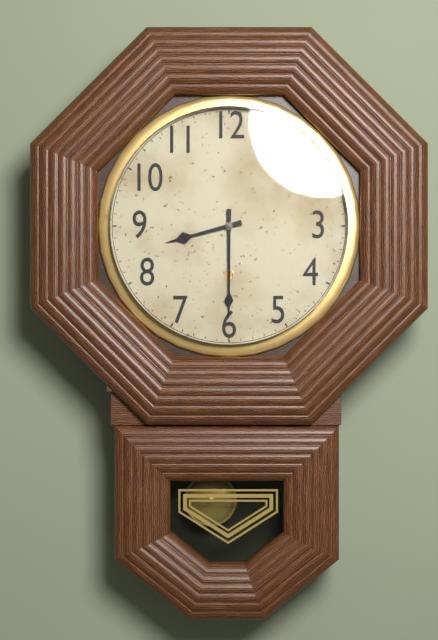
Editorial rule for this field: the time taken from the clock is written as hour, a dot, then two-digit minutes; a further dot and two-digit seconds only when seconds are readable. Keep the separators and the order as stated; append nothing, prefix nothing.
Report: 8.30
